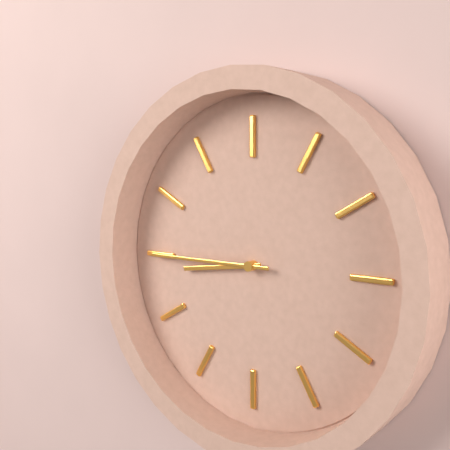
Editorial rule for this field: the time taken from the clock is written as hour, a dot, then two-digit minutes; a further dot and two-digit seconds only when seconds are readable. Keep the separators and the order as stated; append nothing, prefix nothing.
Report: 8.45
